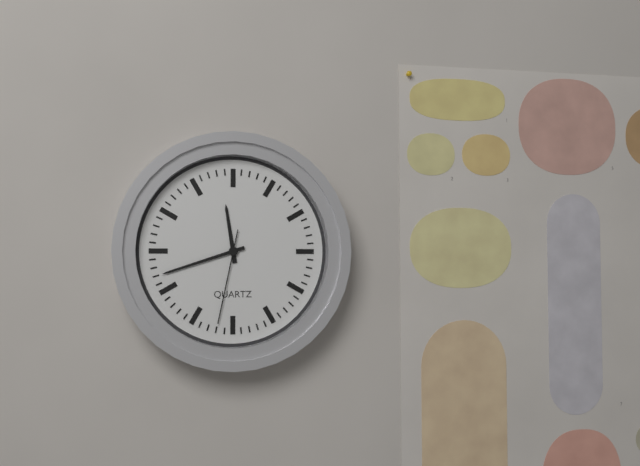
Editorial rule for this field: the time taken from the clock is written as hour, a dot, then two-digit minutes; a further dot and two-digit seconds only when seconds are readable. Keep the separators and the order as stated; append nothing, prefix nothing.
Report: 11.42.32
